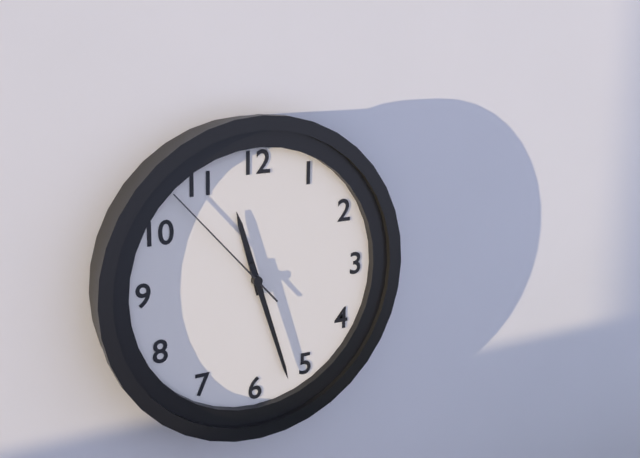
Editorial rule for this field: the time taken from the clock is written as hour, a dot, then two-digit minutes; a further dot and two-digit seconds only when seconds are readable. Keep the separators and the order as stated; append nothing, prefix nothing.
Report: 11.27.53
